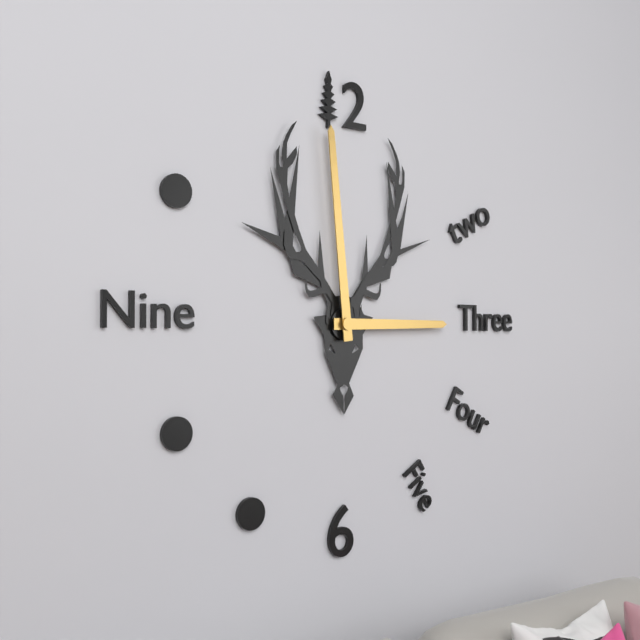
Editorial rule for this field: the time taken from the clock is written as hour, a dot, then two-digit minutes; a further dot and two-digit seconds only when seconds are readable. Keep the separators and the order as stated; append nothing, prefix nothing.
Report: 2.59
